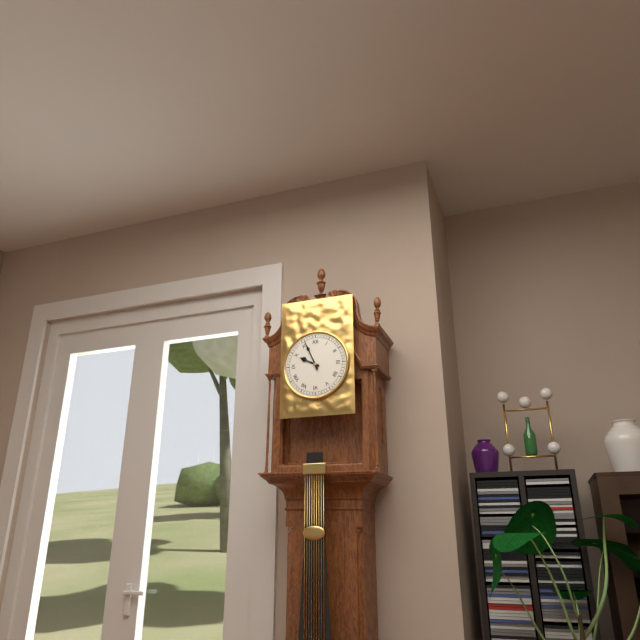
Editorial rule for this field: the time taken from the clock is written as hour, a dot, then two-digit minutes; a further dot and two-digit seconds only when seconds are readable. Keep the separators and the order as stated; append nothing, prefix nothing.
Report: 9.56
